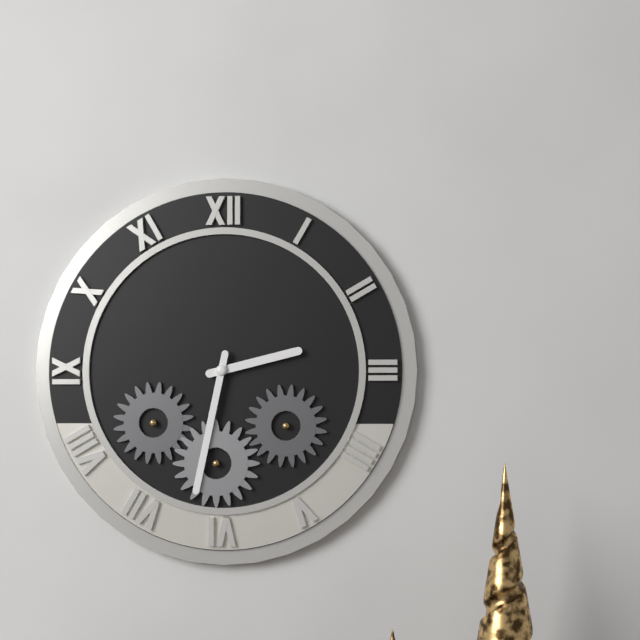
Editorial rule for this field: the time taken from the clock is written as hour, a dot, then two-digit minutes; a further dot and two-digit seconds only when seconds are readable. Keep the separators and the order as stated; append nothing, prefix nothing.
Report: 2.32
